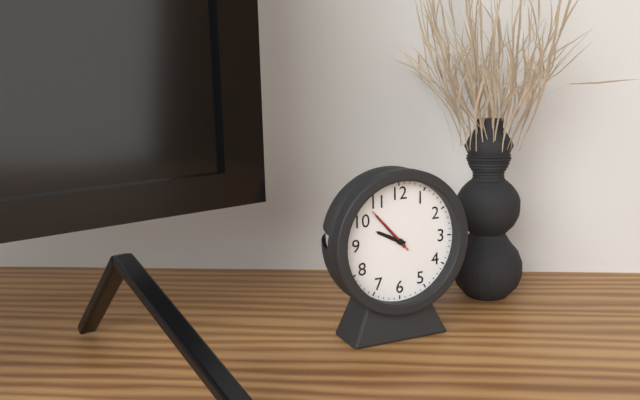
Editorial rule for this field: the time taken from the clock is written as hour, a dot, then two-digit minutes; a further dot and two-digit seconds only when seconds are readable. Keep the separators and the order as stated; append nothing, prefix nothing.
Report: 9.53.53
